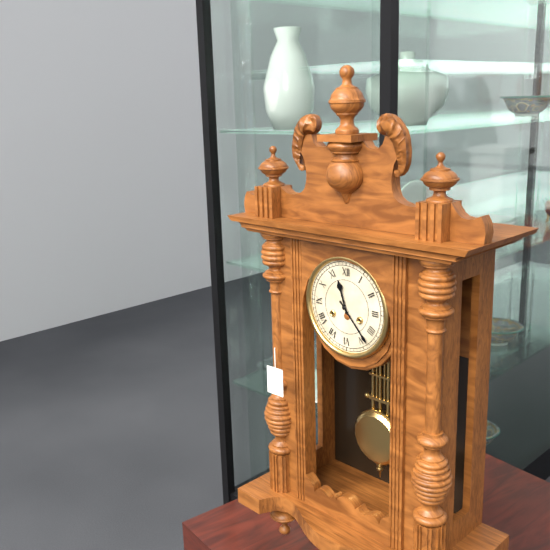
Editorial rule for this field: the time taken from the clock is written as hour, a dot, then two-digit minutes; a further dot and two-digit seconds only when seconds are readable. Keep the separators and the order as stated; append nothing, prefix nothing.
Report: 11.23
